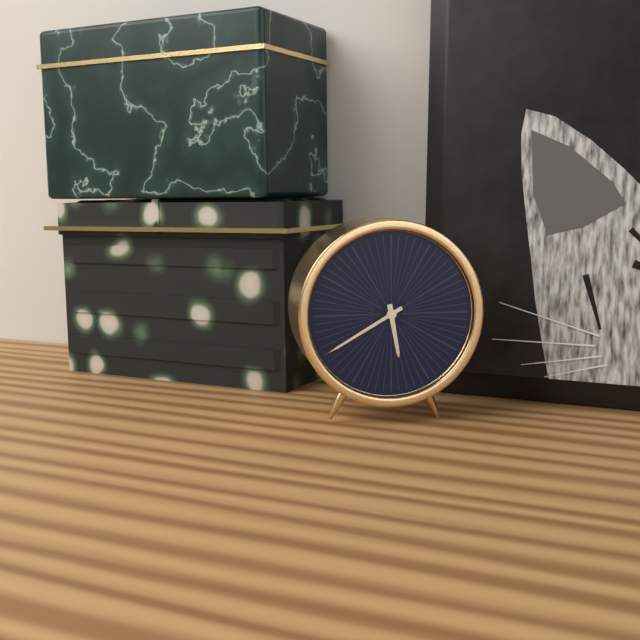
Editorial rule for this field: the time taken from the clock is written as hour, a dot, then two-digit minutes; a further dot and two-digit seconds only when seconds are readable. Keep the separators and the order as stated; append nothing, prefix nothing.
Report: 5.40
